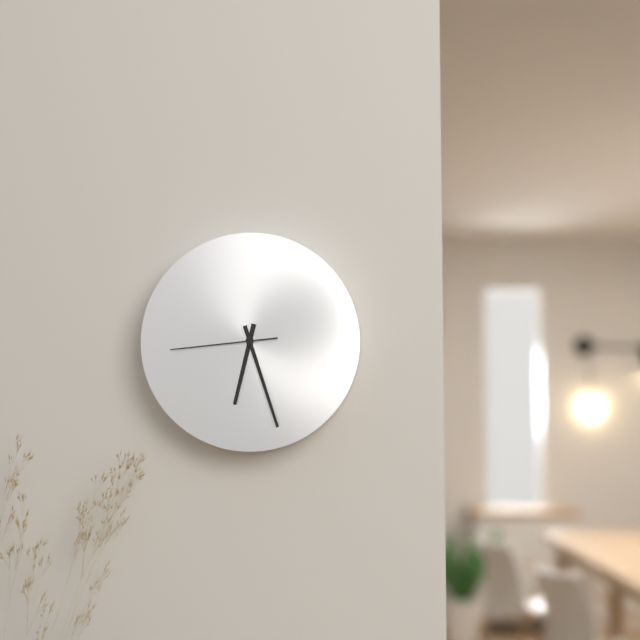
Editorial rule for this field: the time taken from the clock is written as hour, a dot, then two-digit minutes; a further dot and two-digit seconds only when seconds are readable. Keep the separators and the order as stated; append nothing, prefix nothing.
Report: 6.27.44
